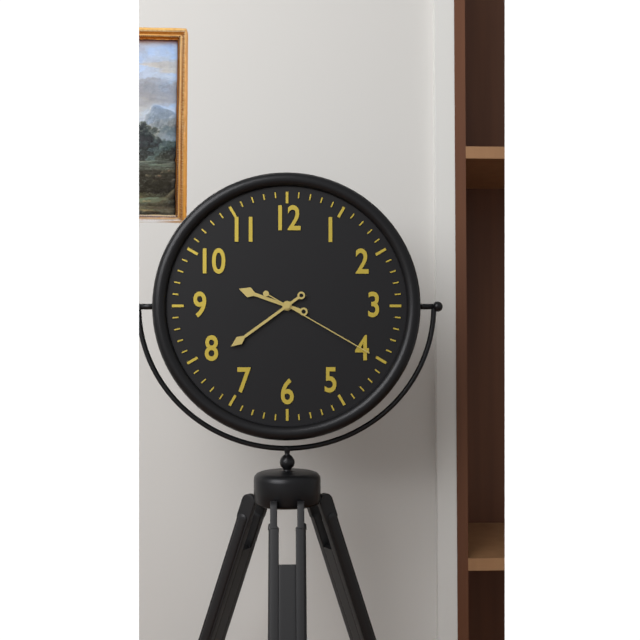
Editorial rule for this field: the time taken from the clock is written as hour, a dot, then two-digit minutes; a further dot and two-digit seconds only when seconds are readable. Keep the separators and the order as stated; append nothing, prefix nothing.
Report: 9.39.20
